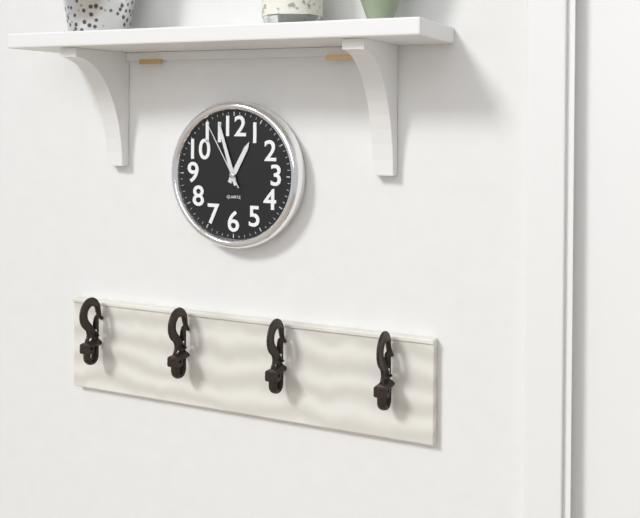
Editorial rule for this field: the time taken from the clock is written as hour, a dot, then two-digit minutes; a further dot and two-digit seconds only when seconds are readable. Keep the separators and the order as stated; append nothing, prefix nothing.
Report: 12.57.55
